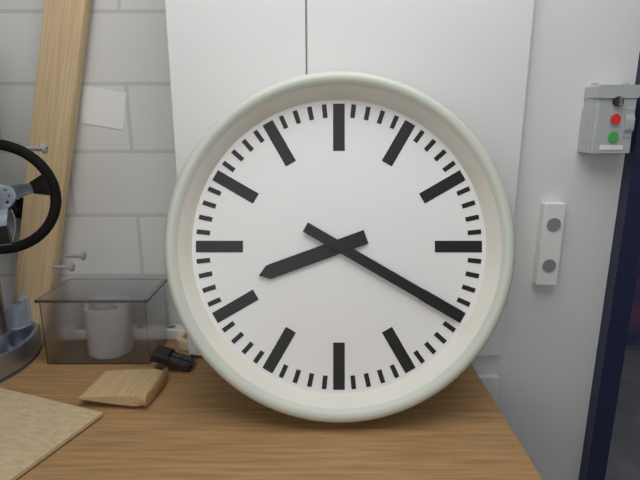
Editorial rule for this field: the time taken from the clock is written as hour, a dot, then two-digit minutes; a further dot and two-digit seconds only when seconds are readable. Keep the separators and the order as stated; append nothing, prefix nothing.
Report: 8.20
